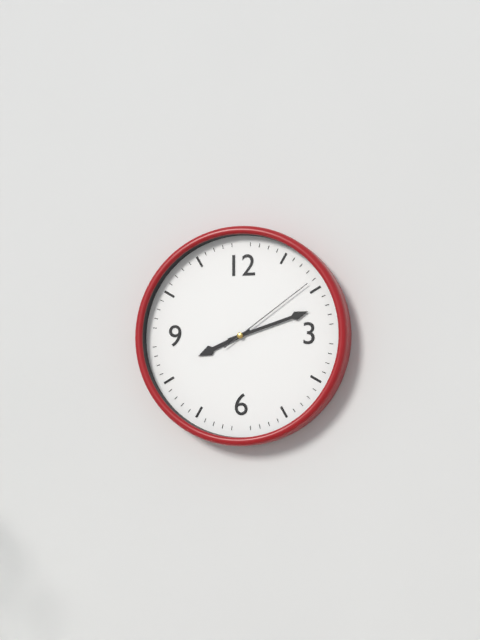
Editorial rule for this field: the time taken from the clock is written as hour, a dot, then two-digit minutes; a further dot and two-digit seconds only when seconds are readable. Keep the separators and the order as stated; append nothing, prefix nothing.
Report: 8.12.09
